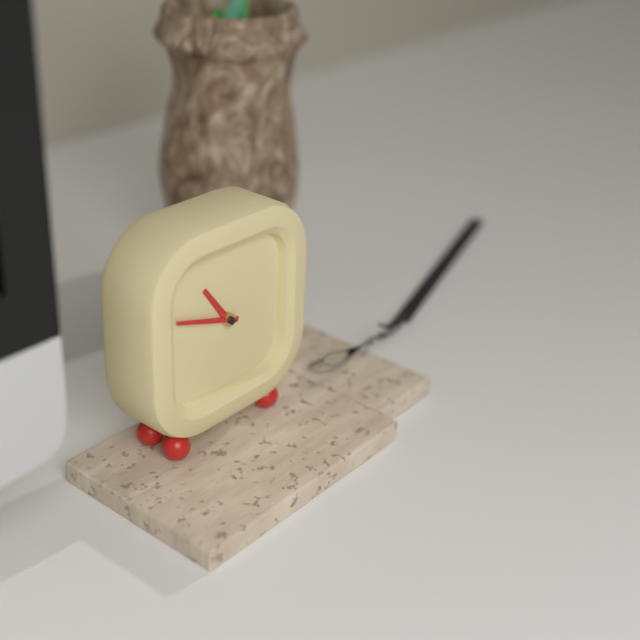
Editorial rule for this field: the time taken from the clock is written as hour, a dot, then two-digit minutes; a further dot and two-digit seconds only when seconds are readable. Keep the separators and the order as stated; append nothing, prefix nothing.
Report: 10.48
